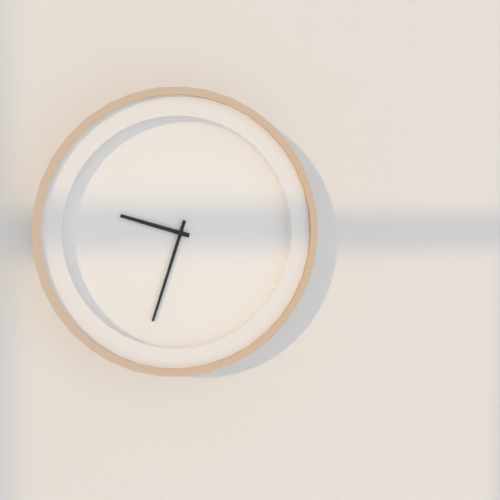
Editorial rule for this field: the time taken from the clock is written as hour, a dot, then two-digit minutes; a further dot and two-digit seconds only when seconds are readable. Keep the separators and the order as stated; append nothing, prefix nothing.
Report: 9.33
